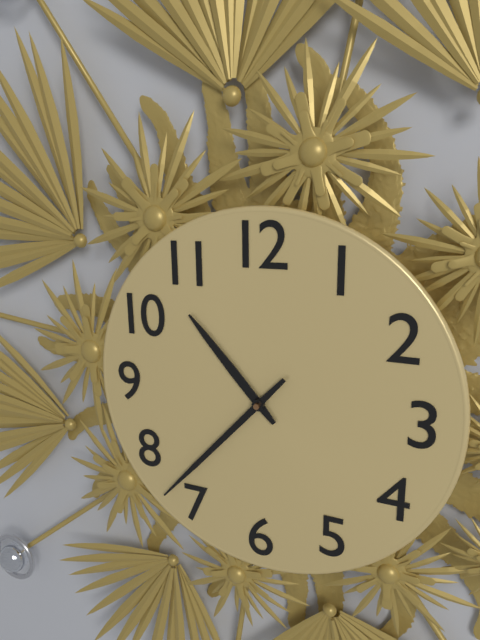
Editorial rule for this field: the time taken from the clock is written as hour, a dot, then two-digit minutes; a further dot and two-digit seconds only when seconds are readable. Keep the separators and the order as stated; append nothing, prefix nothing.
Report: 10.37
